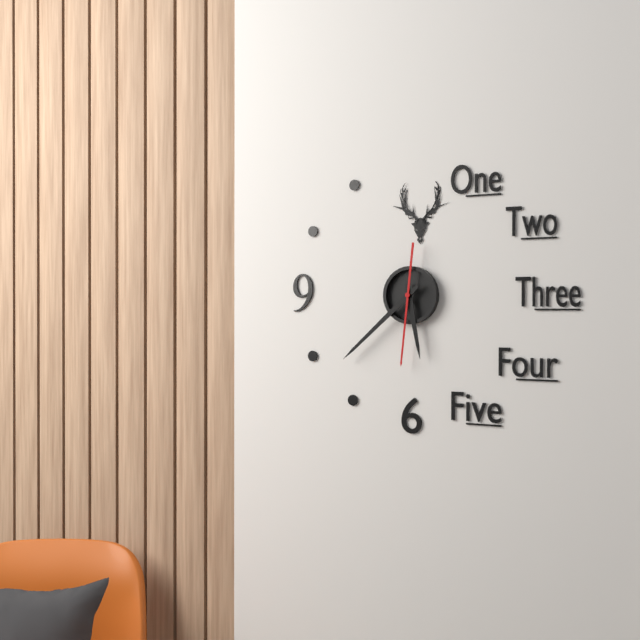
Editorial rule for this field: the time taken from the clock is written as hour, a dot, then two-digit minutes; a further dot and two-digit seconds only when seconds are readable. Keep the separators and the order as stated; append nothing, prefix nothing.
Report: 5.38.31
